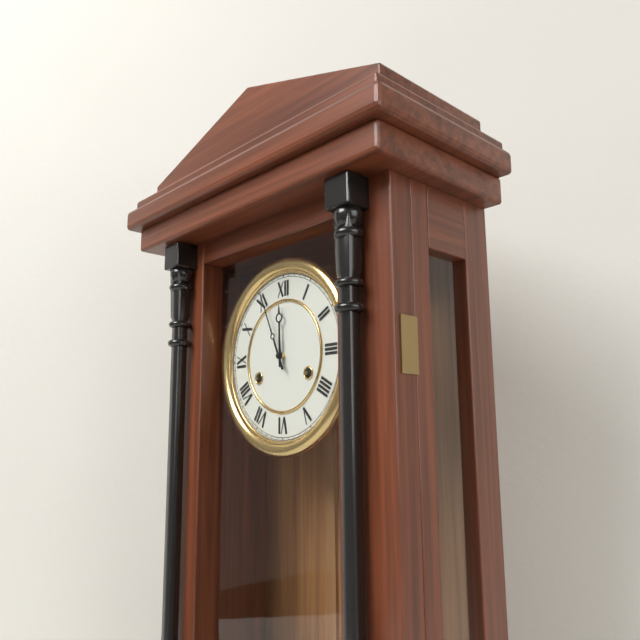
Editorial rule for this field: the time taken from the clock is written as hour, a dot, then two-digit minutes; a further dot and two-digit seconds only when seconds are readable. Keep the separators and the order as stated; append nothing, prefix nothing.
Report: 11.56
